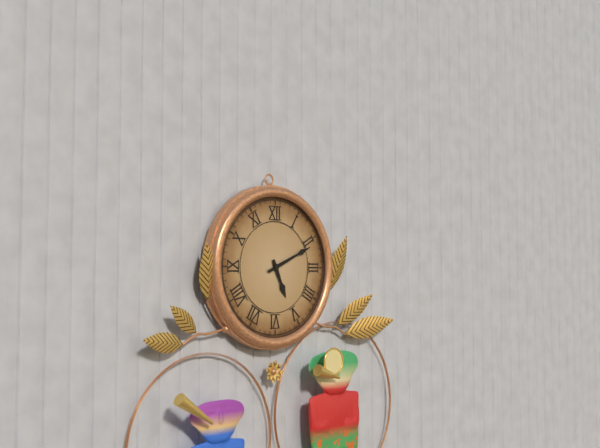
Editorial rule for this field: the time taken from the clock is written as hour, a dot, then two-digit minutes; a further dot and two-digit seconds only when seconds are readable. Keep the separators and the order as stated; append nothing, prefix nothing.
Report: 5.11
